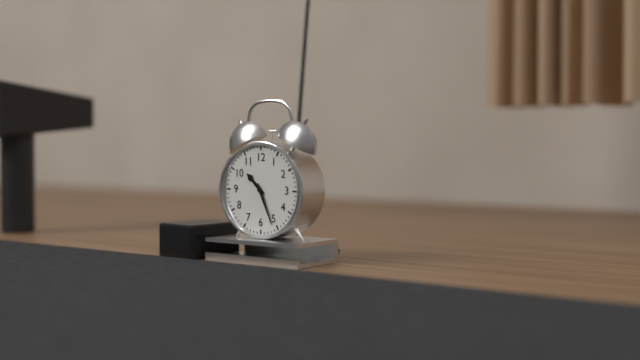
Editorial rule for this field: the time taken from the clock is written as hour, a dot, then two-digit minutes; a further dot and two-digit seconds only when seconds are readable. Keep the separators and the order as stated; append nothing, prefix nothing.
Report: 10.26
